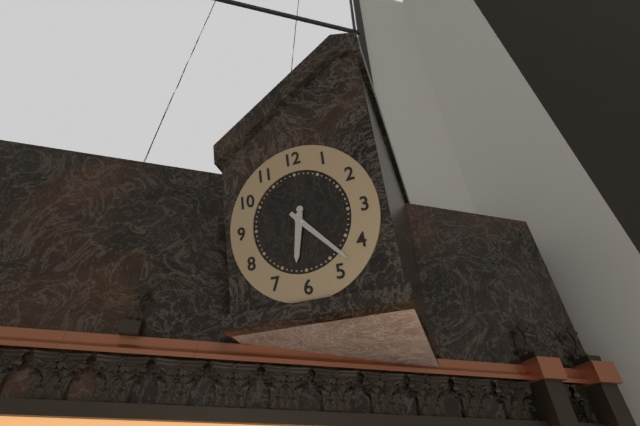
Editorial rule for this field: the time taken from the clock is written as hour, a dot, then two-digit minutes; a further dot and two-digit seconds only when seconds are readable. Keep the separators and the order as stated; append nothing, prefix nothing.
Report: 6.23
